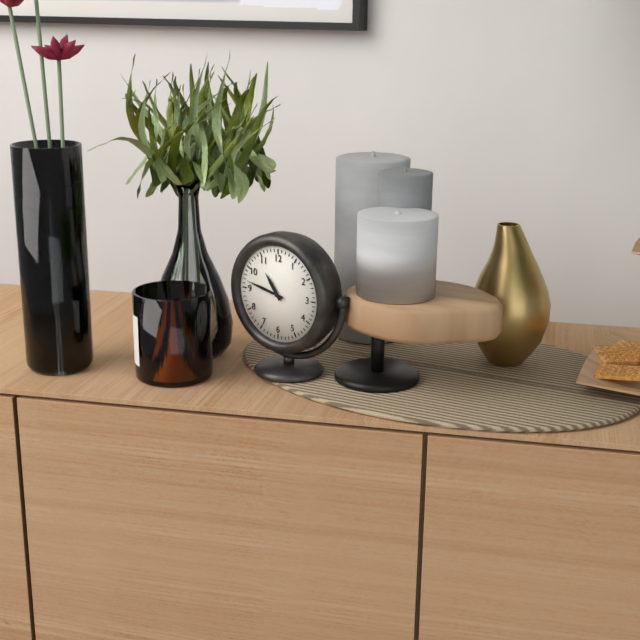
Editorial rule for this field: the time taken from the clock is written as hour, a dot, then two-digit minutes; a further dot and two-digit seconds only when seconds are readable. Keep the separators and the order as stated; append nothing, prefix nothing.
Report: 10.47
